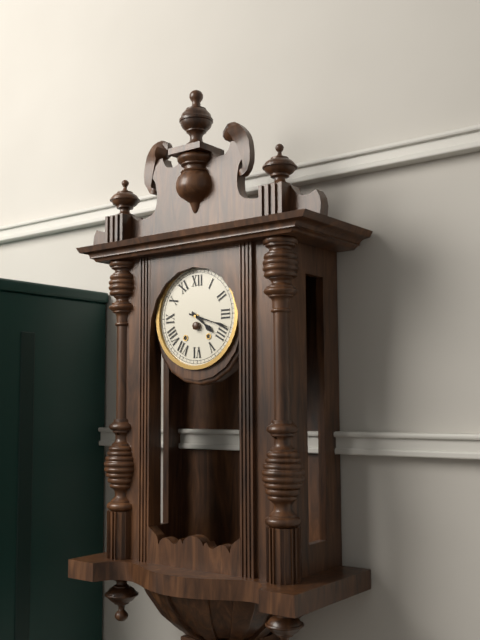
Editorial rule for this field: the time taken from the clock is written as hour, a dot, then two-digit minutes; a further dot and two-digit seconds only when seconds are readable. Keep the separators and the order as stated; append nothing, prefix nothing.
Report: 4.18
